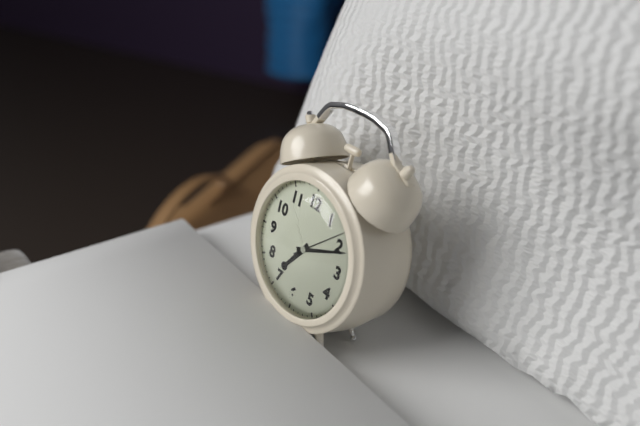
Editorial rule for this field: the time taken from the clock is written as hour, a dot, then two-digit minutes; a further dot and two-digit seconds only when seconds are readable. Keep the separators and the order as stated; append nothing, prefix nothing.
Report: 7.11.08
